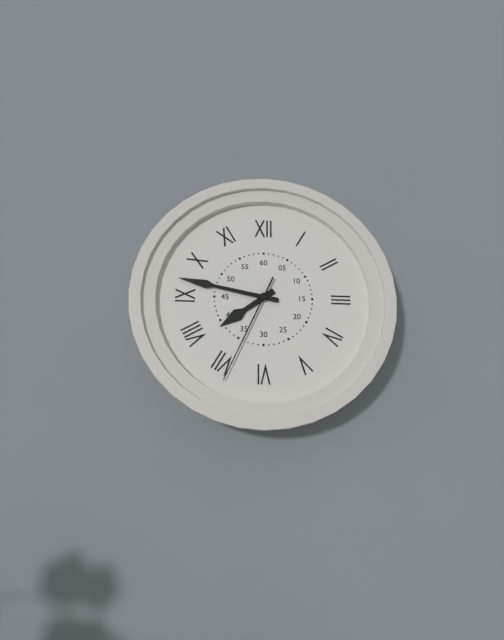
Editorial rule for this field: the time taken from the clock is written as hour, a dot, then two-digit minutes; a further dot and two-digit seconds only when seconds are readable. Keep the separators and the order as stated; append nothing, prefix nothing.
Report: 7.47.34
